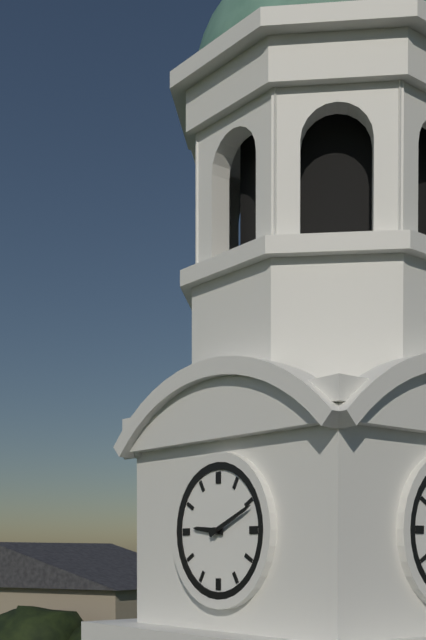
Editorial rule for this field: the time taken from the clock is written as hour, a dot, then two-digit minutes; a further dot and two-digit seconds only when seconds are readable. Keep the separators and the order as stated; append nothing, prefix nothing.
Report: 9.11
